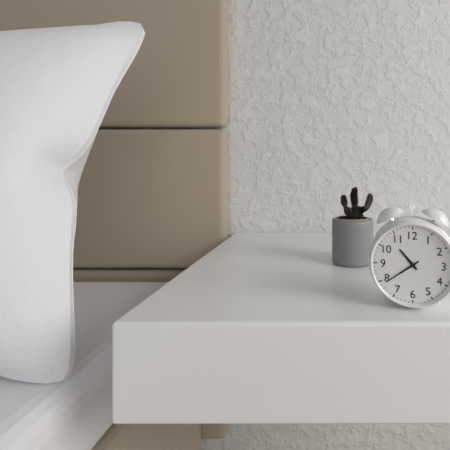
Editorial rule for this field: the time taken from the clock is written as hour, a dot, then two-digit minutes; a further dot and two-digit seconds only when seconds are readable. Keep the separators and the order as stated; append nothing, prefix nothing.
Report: 10.39
